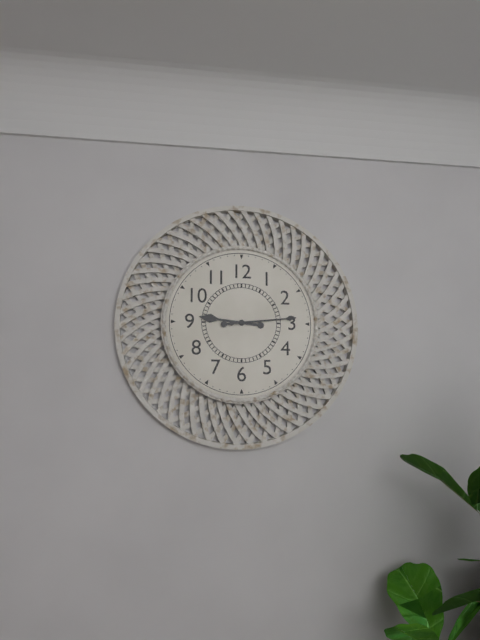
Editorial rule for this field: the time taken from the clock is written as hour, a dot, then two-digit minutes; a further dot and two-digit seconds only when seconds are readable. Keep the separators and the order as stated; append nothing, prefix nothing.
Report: 9.14
